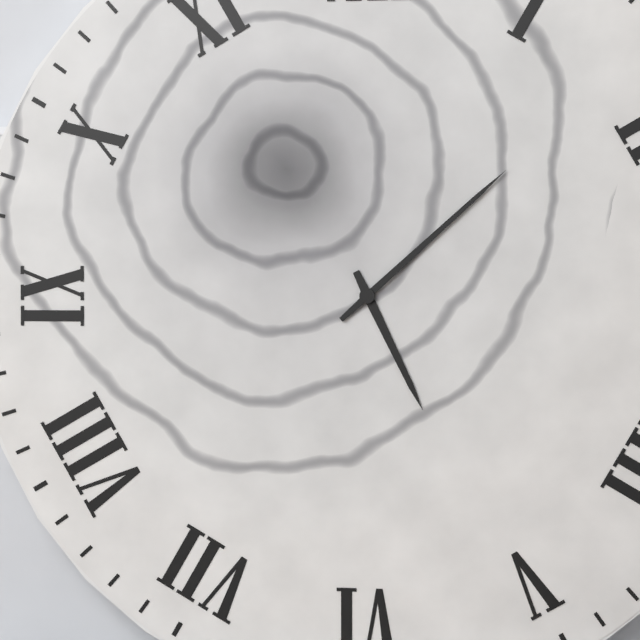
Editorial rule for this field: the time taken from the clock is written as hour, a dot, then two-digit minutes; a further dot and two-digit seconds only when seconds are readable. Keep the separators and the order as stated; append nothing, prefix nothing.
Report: 5.08
